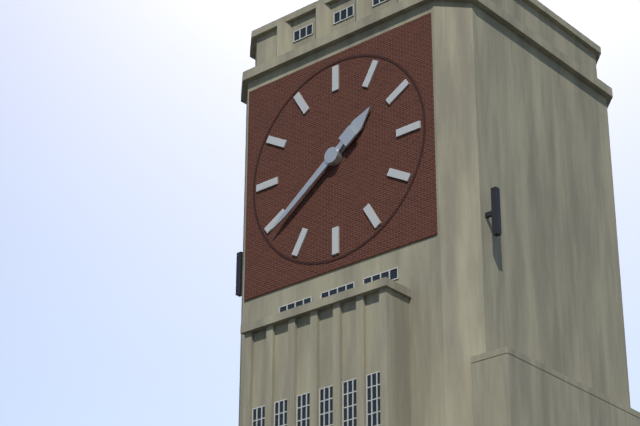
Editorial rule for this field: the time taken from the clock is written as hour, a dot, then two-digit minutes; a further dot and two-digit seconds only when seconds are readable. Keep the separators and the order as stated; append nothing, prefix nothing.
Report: 1.39
